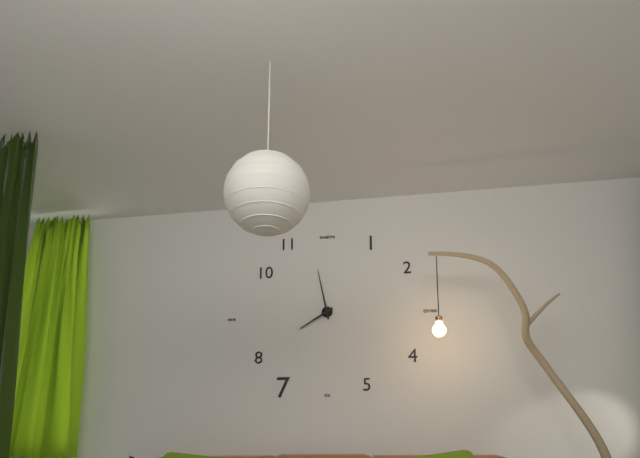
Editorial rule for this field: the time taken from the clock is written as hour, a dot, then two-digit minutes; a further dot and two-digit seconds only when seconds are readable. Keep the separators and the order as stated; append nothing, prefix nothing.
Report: 7.58
